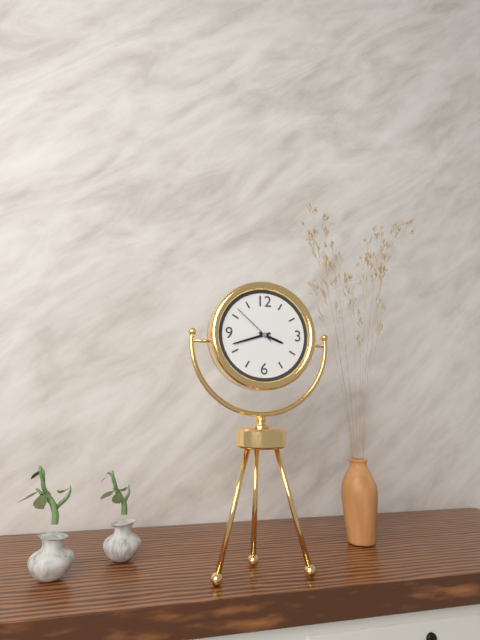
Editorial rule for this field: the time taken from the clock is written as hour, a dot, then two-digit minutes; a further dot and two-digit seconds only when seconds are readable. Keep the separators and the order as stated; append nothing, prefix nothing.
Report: 3.42
